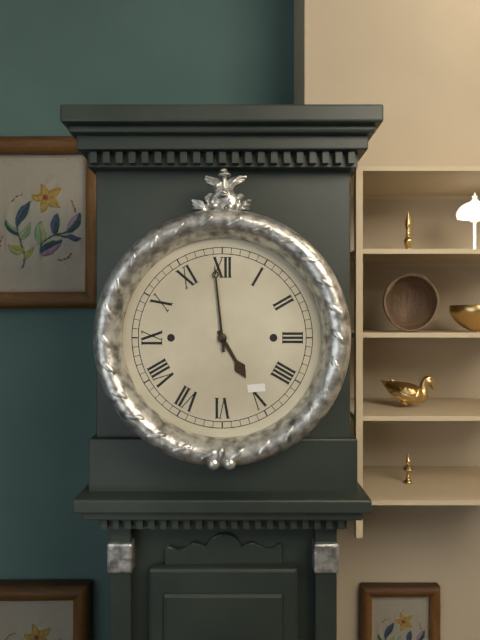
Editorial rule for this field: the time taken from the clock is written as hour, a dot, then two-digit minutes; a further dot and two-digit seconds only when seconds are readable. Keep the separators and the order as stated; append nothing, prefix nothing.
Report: 4.59
